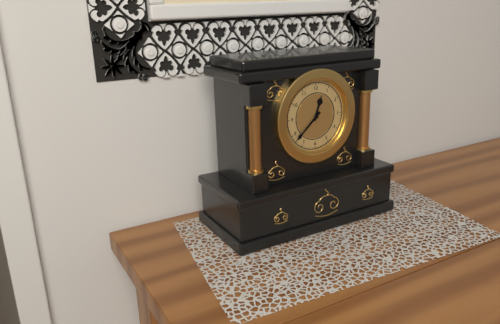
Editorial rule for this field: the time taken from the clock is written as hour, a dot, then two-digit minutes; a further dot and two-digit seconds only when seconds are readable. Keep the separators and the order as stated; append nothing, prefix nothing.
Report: 12.38
